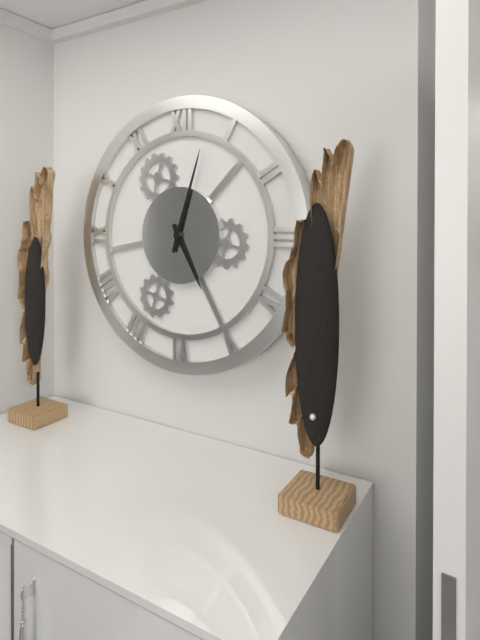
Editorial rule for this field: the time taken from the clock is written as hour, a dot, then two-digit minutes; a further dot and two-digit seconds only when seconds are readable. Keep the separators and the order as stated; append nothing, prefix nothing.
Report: 5.03
